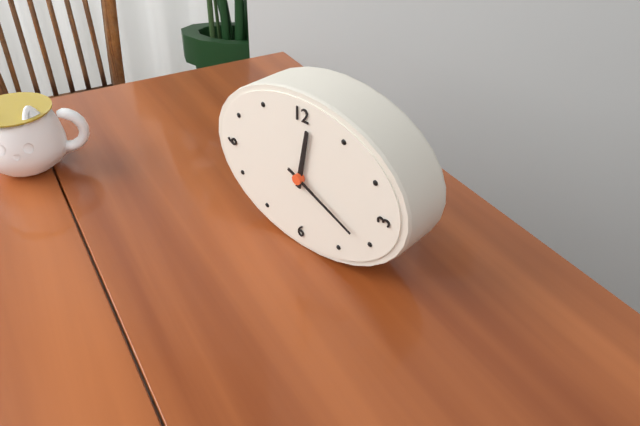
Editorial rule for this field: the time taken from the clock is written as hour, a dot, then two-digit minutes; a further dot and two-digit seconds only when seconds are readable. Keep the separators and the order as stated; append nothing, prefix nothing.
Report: 12.19
